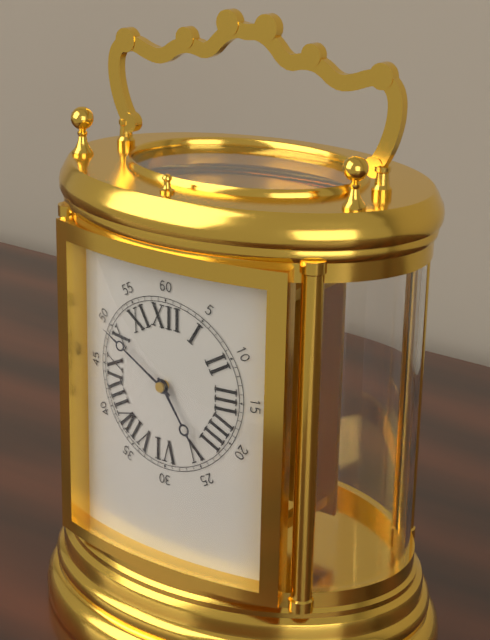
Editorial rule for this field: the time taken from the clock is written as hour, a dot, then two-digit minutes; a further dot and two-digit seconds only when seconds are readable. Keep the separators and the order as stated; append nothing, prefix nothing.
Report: 4.50
